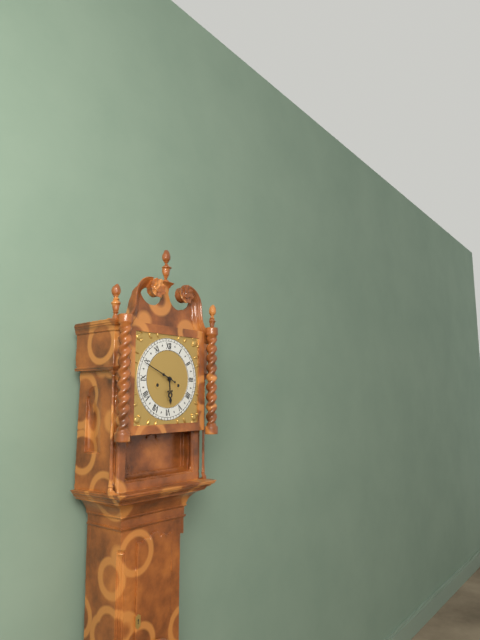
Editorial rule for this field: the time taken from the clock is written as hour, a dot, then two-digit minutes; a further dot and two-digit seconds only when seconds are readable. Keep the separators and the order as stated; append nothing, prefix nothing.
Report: 5.49
